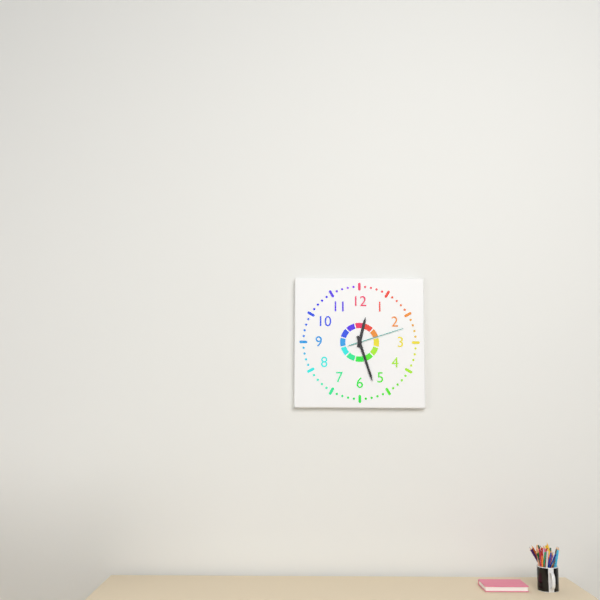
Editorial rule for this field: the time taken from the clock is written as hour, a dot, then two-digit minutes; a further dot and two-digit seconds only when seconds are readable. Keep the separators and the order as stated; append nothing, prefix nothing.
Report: 12.27.12
